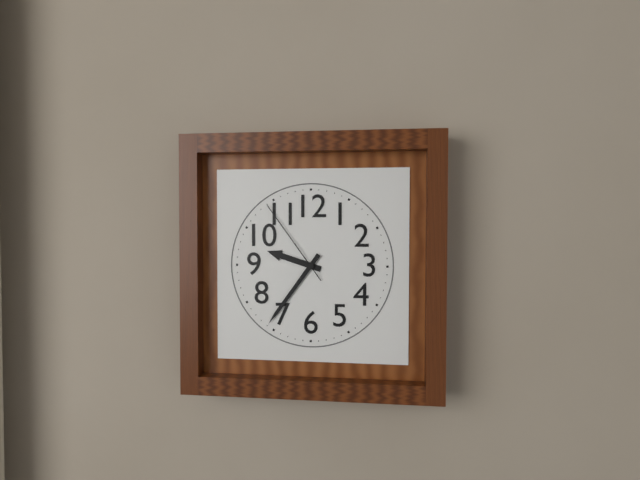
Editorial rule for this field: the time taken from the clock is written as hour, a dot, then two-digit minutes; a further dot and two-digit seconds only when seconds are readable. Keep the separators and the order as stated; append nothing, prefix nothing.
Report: 9.36.54
